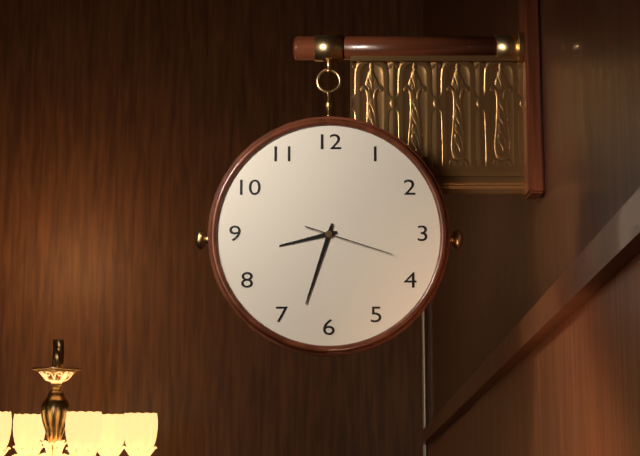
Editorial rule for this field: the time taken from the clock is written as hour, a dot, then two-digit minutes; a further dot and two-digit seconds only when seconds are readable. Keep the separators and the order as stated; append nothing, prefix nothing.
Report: 8.33.18
